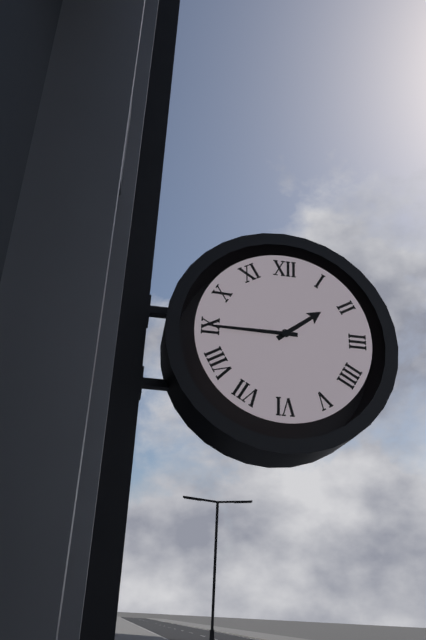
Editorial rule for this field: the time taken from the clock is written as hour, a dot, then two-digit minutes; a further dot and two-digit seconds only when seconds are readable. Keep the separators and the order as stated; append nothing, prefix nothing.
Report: 1.45
